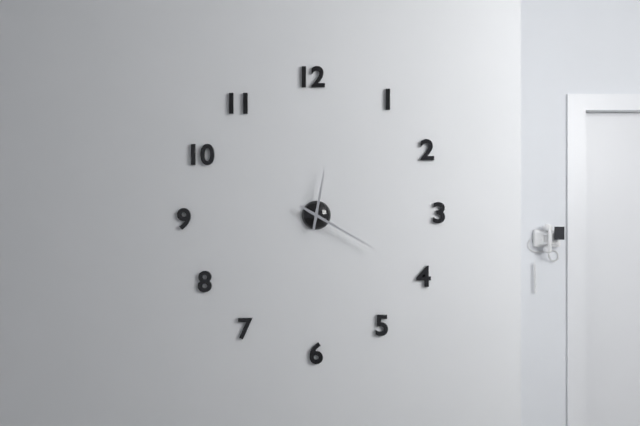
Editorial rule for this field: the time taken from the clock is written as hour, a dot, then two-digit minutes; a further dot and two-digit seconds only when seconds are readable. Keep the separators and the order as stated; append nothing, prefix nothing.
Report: 12.20
